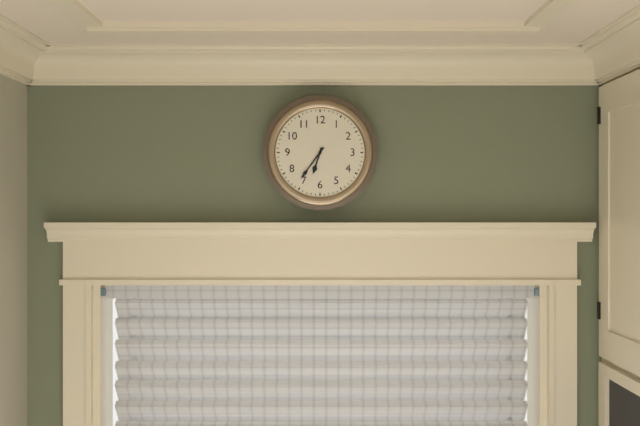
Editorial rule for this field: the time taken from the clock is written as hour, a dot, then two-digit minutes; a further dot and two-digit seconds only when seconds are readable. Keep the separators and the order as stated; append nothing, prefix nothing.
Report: 6.36
